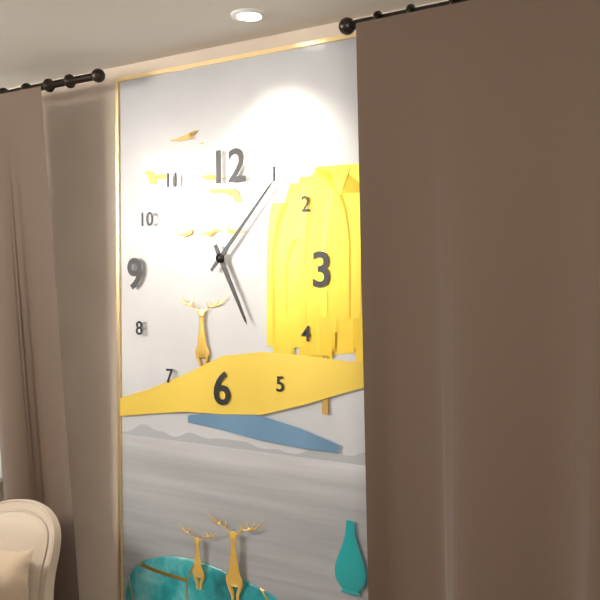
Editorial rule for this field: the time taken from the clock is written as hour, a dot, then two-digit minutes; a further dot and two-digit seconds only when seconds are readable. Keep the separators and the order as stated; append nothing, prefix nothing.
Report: 5.07
